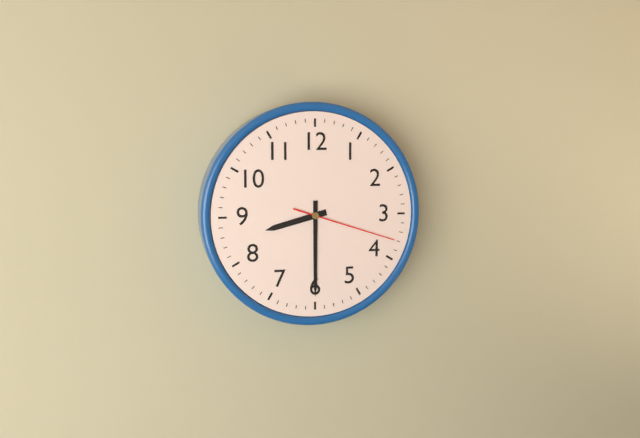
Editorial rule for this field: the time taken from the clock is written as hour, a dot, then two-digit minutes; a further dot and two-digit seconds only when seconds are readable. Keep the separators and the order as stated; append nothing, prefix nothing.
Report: 8.30.18
